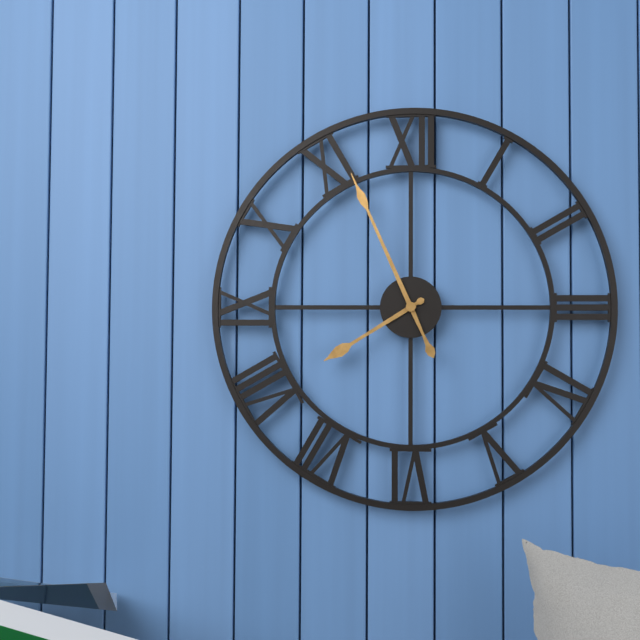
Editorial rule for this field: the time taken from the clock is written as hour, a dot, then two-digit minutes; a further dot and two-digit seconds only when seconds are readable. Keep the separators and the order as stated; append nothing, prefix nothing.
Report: 7.56
